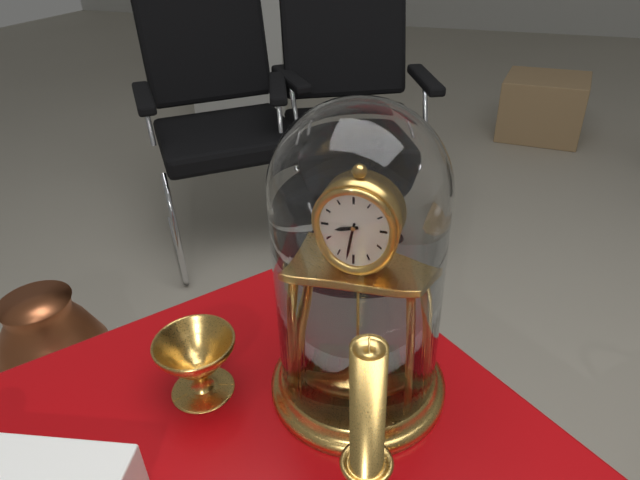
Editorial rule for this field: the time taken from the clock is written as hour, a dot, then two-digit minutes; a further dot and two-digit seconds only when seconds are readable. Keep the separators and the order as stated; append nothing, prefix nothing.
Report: 8.32
